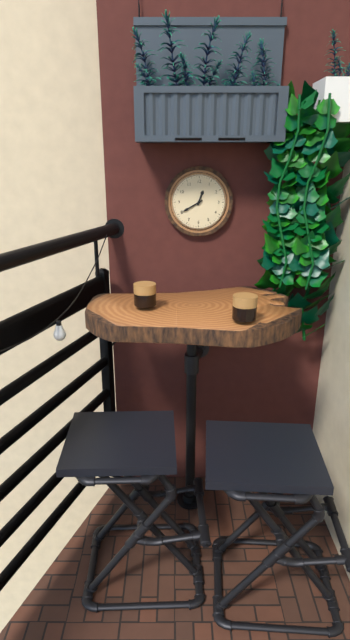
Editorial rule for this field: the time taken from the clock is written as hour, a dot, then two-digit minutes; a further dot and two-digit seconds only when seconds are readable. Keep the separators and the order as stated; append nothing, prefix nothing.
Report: 12.40
